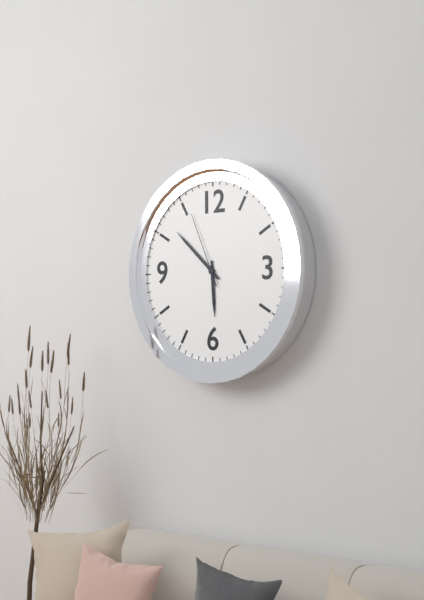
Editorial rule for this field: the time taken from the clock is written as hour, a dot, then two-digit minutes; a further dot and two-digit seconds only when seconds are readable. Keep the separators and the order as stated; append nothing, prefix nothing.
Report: 5.52.56
